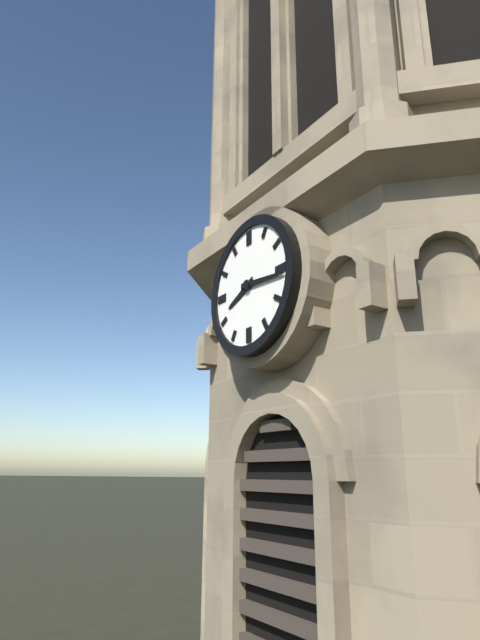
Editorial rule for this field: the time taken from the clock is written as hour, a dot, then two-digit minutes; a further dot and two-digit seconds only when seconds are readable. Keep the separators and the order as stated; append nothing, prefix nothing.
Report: 8.16
